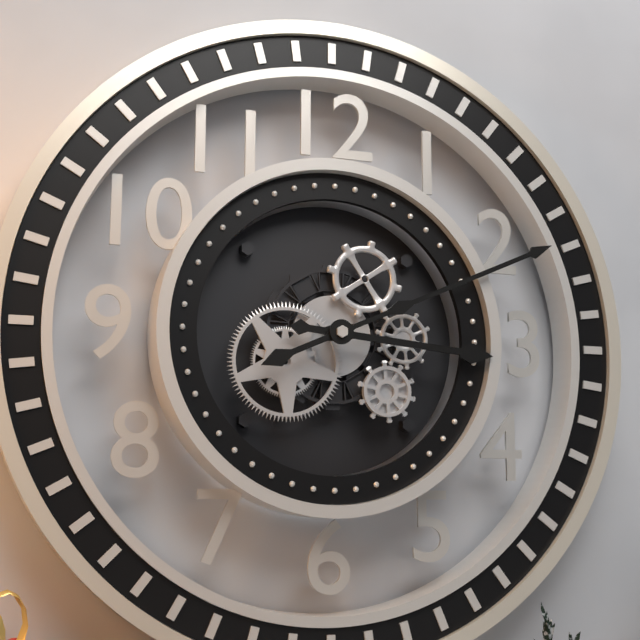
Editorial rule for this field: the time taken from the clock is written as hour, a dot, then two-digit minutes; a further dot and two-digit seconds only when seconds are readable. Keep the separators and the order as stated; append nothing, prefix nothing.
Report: 3.11
